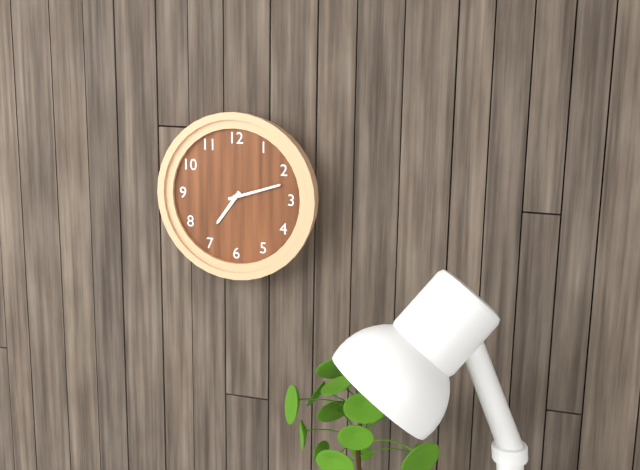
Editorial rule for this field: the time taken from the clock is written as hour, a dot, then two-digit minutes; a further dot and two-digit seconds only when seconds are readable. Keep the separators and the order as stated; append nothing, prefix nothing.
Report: 7.12
